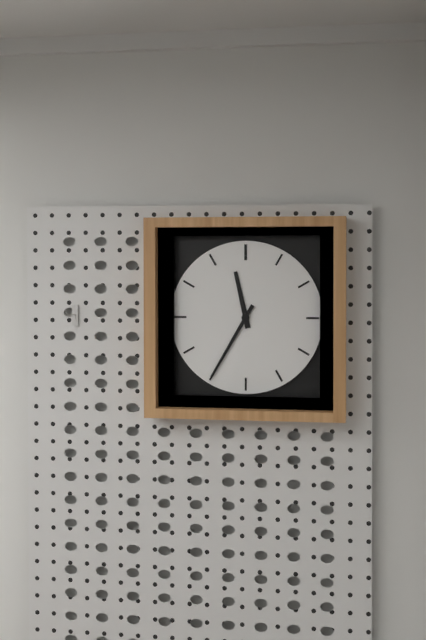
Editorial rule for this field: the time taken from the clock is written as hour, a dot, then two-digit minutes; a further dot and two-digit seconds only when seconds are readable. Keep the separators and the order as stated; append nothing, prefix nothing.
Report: 11.35
